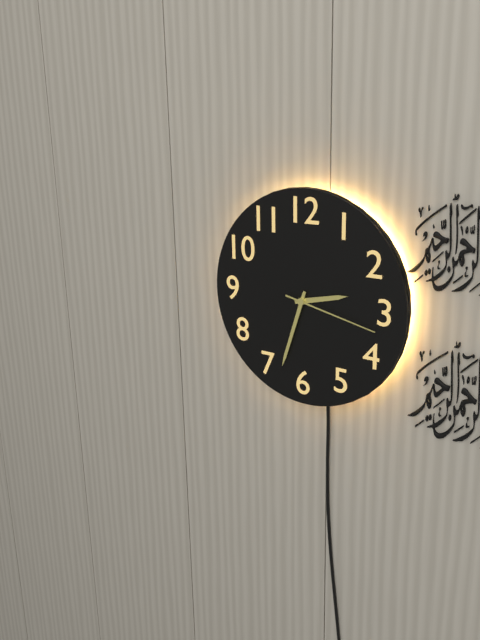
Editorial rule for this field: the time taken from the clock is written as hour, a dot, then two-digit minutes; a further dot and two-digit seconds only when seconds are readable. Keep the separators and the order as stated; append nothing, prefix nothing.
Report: 2.33.17
